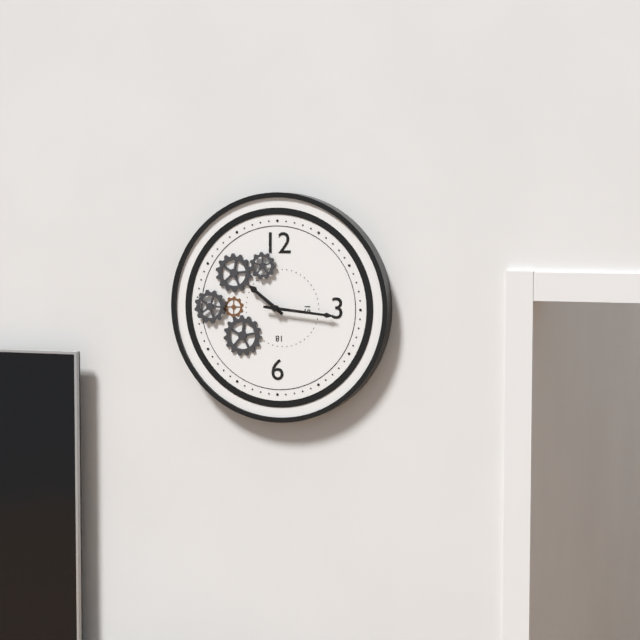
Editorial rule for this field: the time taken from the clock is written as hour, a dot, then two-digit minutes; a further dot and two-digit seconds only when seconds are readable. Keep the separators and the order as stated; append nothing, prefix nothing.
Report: 10.16
